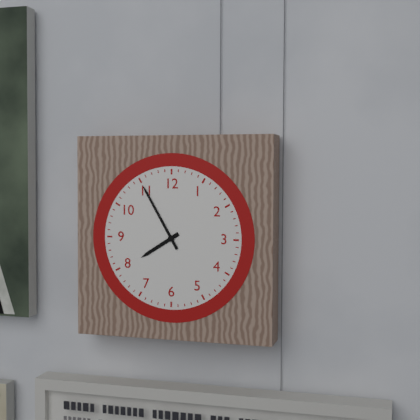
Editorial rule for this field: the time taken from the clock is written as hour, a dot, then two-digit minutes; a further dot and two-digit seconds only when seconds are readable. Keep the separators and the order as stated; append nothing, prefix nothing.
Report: 7.55
